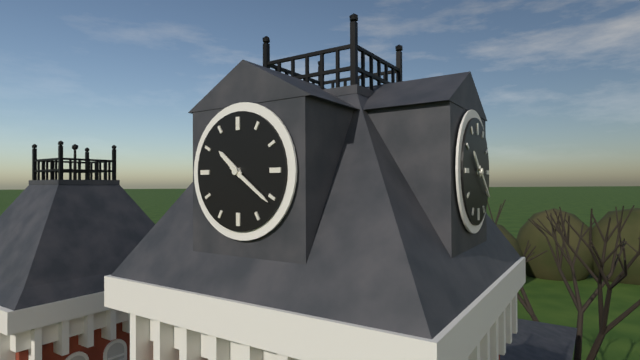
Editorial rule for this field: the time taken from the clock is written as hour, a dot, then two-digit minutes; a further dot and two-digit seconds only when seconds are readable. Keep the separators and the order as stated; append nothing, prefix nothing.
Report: 10.21
